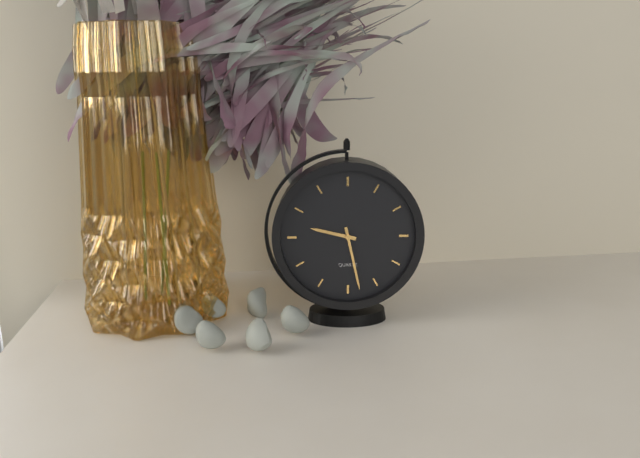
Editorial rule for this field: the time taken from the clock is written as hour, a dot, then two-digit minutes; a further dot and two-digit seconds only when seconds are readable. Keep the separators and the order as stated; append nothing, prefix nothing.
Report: 9.28
